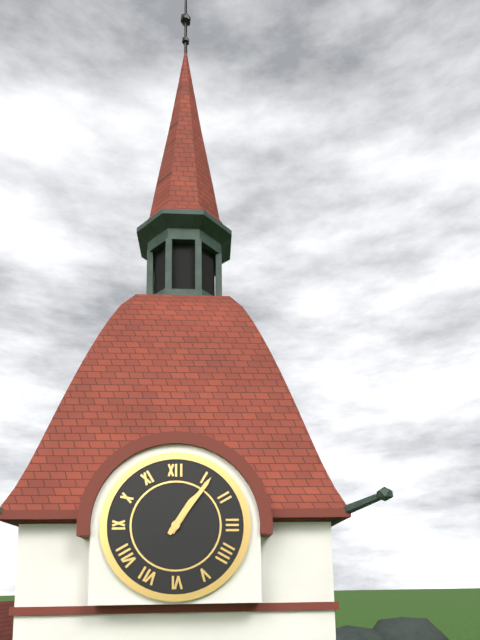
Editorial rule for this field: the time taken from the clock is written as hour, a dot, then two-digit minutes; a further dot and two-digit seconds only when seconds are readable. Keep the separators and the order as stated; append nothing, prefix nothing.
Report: 1.06
